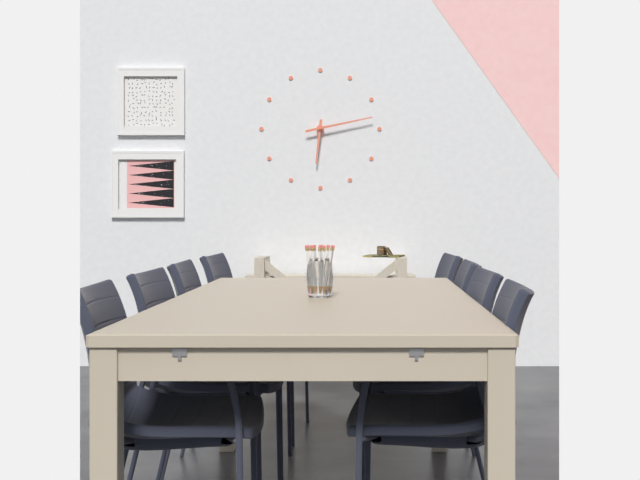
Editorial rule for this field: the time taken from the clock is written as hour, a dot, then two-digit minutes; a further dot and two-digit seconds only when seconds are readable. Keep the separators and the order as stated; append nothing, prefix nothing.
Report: 6.13
